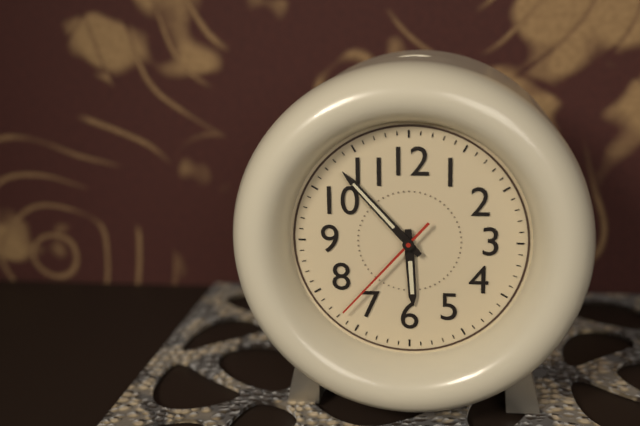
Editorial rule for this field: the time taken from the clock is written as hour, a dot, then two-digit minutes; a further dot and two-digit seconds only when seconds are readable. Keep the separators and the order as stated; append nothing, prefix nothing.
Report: 5.53.37
